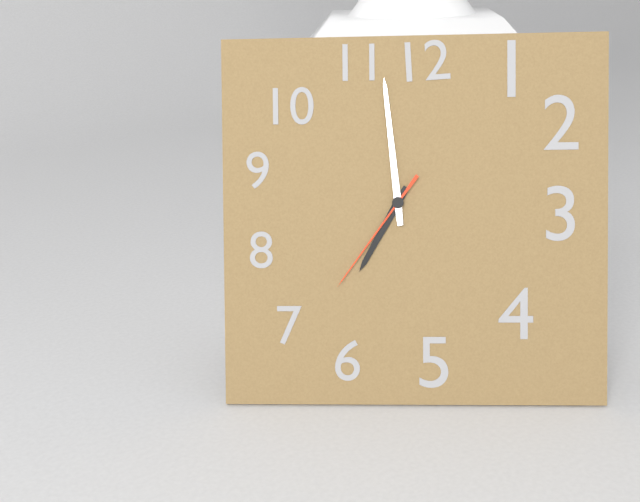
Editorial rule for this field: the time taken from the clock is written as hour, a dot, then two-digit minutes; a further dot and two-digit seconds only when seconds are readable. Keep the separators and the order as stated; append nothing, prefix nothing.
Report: 6.59.36
